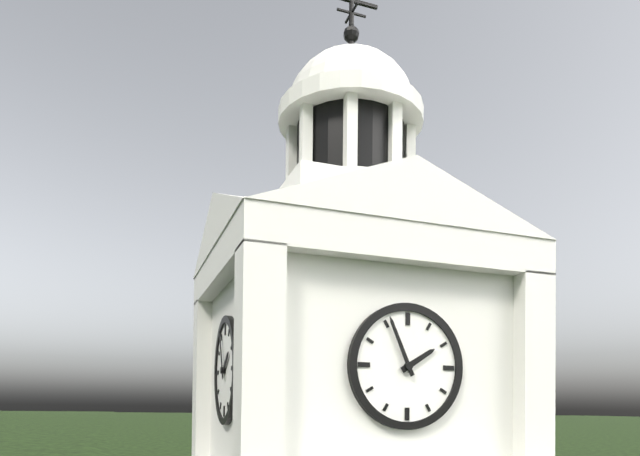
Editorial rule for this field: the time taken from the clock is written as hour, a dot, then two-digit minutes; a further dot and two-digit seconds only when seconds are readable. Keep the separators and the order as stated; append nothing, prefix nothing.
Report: 1.56
